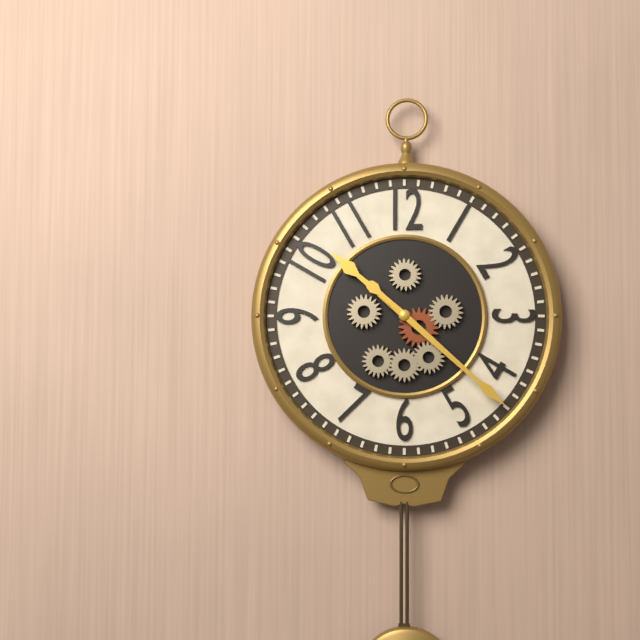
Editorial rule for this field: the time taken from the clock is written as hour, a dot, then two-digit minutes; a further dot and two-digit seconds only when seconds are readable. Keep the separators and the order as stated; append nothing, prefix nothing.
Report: 10.22
